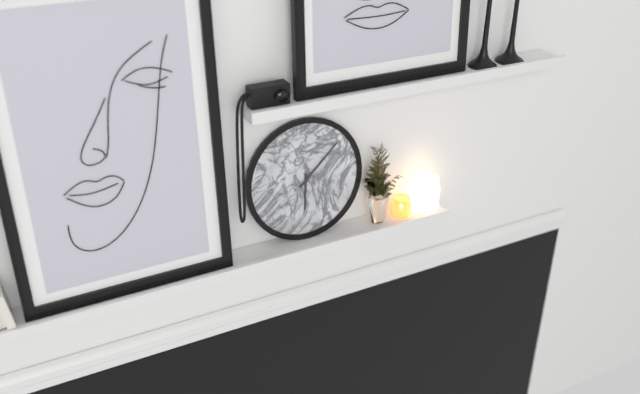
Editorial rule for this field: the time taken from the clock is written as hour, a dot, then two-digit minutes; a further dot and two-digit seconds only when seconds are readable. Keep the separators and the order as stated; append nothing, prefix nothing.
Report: 6.08
